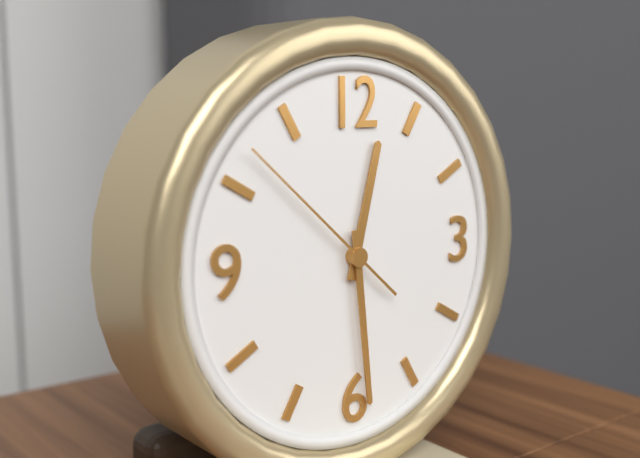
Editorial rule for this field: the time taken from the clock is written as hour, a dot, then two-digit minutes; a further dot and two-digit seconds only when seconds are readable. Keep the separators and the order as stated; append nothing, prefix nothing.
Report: 12.29.52
